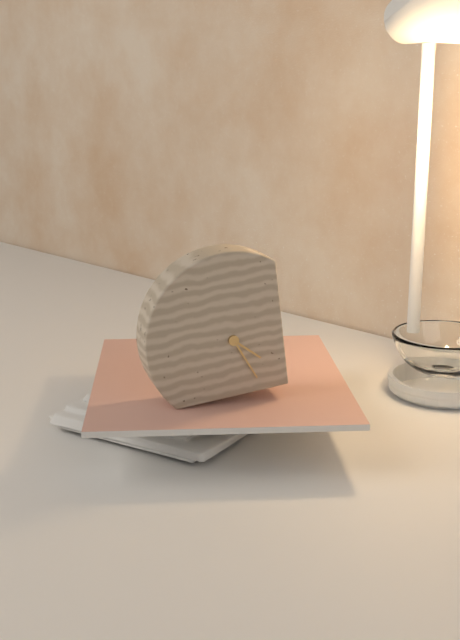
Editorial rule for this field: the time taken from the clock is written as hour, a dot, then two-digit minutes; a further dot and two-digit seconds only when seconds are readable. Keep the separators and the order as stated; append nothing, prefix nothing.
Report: 4.26
